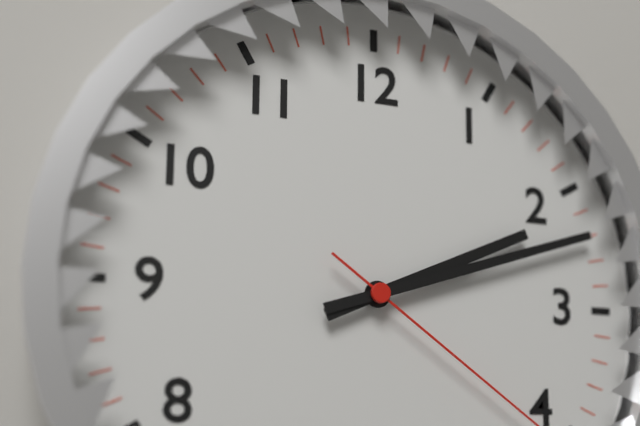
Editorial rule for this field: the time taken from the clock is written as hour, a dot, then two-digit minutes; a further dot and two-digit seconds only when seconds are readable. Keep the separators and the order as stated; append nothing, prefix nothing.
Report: 2.12
